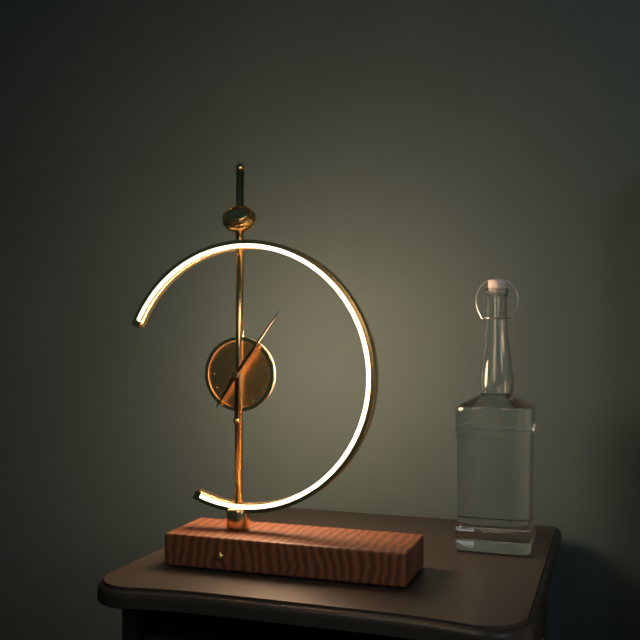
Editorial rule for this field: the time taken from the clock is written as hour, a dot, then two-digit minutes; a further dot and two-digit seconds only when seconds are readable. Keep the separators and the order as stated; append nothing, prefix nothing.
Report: 7.06
